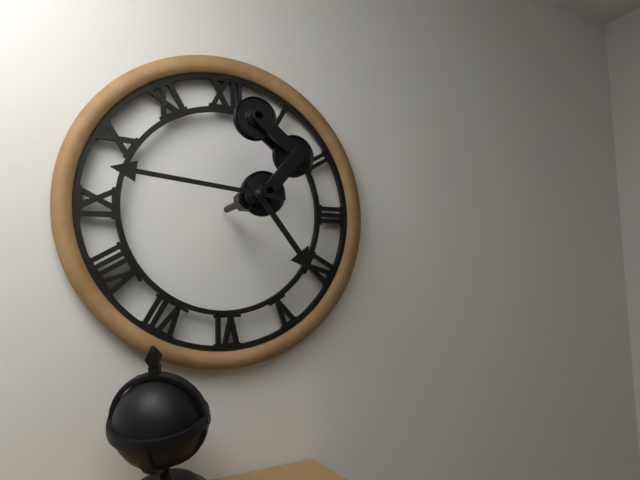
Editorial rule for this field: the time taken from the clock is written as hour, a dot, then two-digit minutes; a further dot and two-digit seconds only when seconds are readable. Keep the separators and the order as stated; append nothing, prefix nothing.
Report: 4.46
